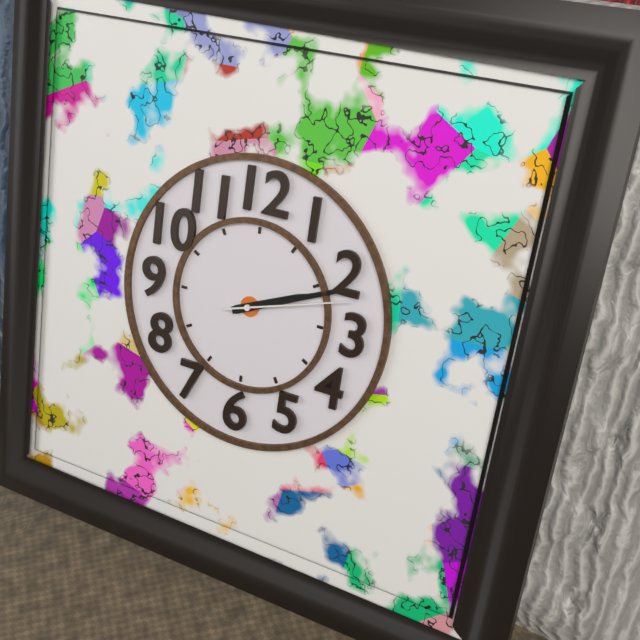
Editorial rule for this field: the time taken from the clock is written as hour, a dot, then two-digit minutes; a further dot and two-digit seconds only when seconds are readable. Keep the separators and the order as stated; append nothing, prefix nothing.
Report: 2.11.12
